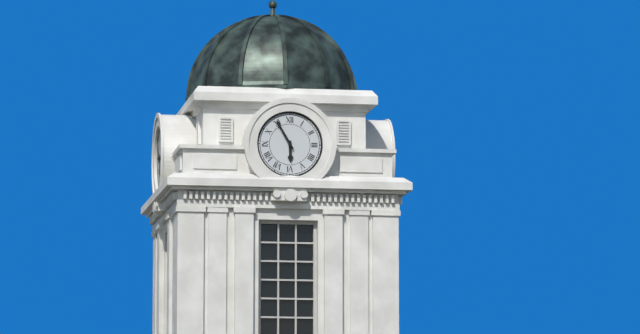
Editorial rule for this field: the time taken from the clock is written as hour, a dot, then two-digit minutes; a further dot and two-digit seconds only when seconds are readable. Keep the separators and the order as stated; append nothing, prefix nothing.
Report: 5.55
